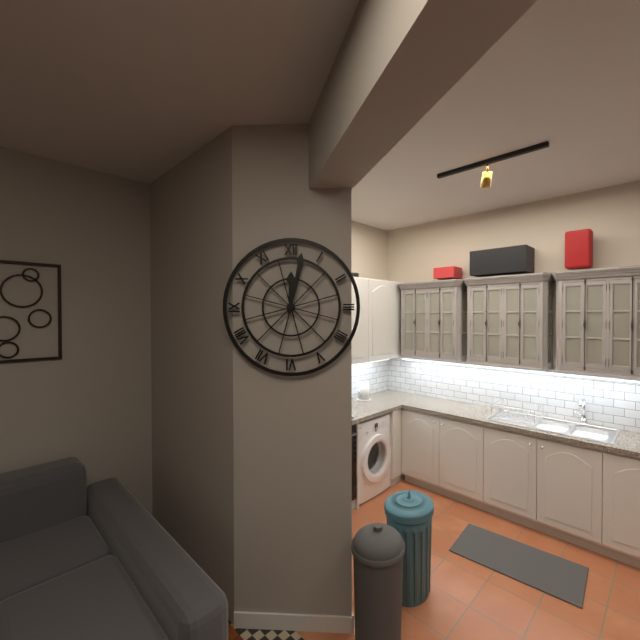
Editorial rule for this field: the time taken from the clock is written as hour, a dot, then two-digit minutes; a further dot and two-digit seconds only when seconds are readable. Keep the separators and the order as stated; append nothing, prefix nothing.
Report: 12.02
